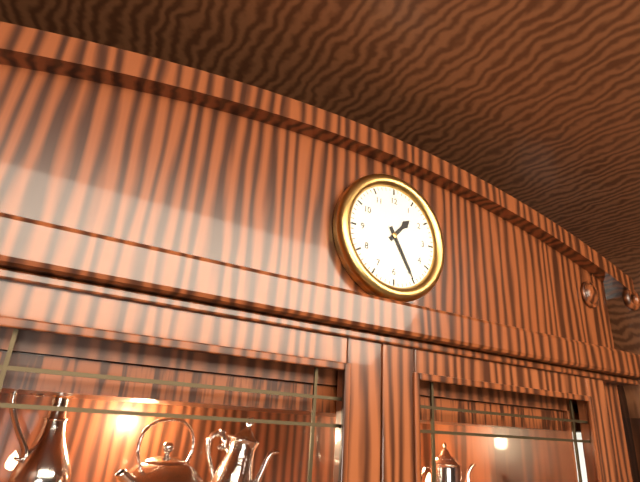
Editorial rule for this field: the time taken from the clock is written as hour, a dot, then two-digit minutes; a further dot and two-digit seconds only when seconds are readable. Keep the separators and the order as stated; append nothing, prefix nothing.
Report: 1.25
